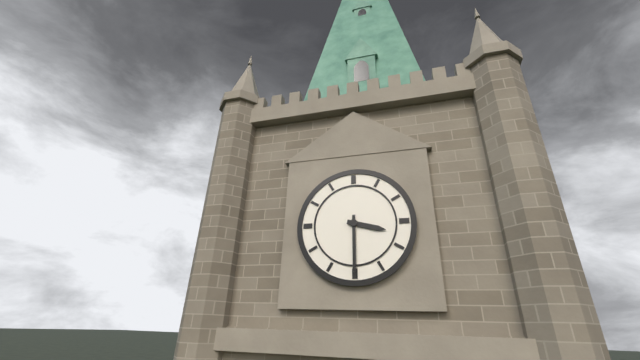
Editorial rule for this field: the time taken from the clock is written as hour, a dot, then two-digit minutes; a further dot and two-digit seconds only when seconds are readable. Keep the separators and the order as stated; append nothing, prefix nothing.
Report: 3.30
